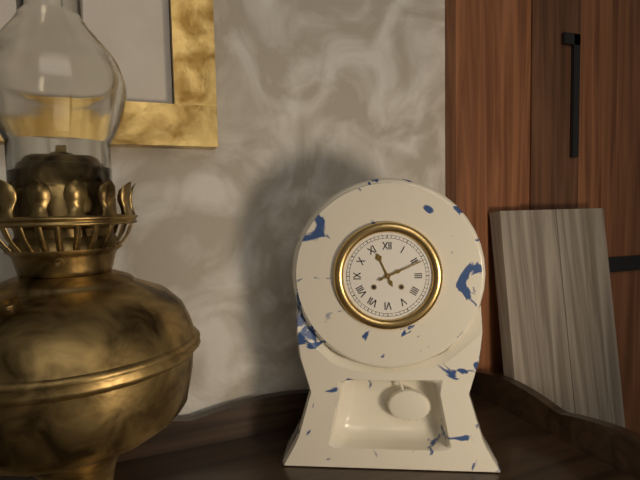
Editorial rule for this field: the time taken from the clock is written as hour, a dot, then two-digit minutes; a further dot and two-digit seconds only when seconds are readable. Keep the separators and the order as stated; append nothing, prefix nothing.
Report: 11.11
